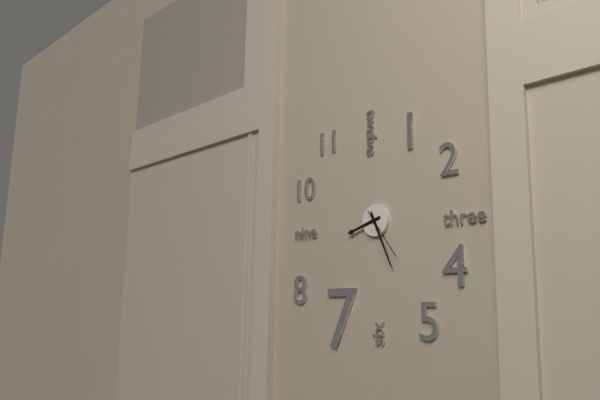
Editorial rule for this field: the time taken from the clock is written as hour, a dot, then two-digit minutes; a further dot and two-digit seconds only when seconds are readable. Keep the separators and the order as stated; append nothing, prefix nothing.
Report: 8.26
